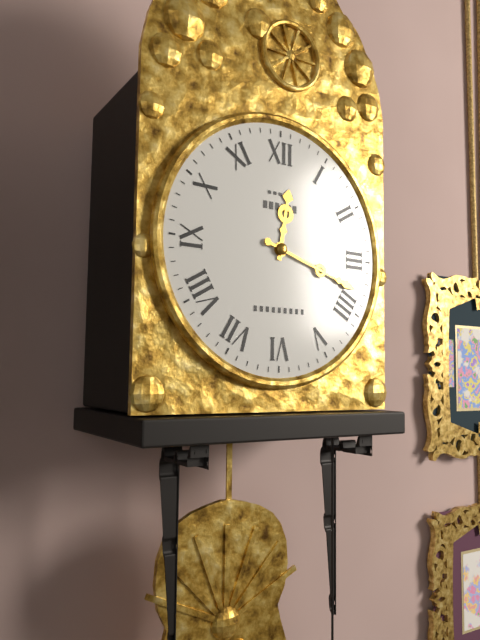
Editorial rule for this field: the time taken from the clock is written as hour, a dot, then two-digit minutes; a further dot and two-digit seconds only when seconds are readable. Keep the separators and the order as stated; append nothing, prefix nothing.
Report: 12.18
